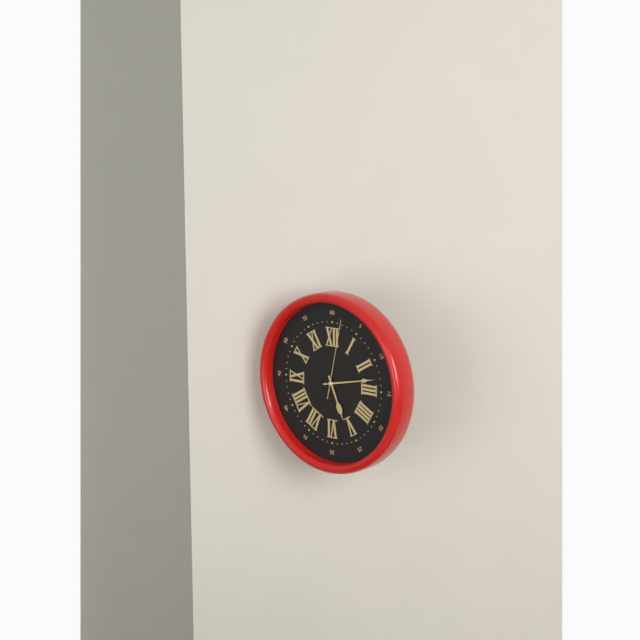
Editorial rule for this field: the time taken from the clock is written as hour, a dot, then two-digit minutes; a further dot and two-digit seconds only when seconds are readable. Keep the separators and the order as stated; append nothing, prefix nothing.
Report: 5.13.02
